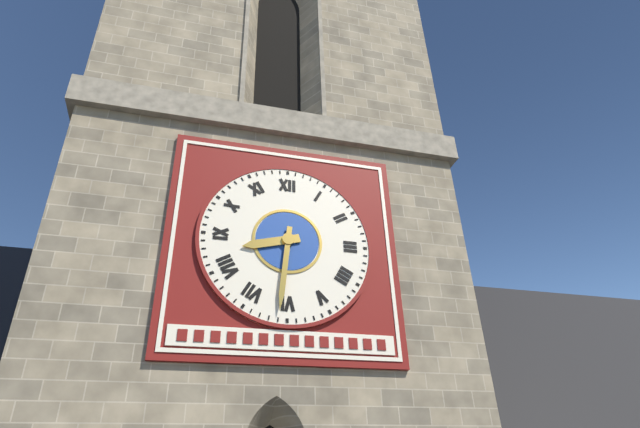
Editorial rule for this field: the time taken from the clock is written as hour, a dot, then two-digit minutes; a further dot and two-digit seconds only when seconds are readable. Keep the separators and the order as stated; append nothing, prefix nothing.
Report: 8.31
